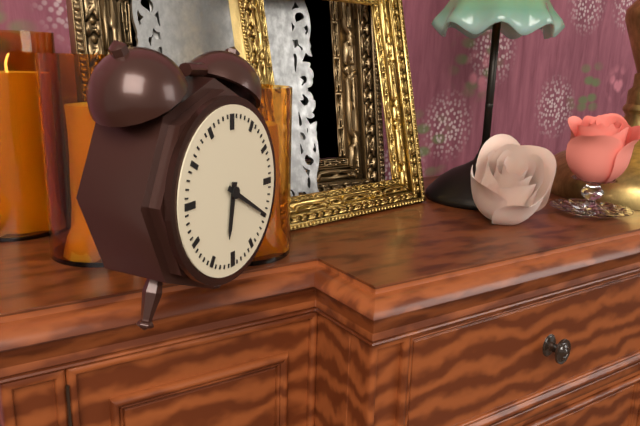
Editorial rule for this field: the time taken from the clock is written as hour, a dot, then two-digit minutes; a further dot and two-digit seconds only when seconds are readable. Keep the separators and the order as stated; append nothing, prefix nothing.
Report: 6.20
